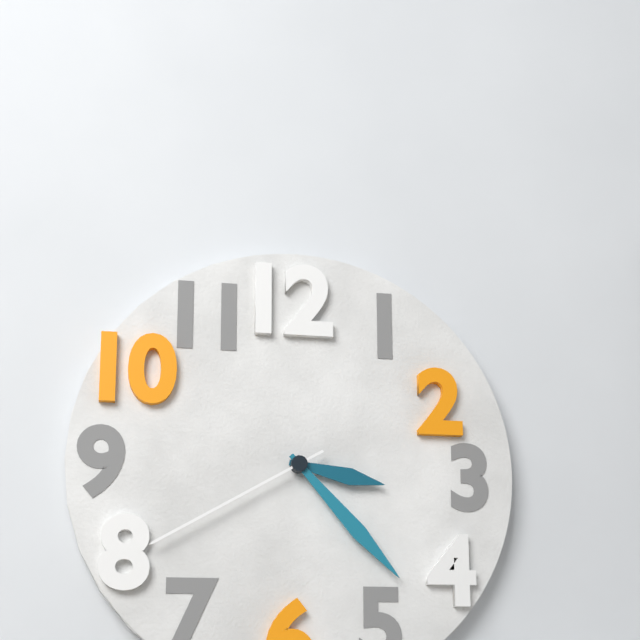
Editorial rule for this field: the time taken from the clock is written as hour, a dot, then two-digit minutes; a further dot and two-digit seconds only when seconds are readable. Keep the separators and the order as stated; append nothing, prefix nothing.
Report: 3.23.40
